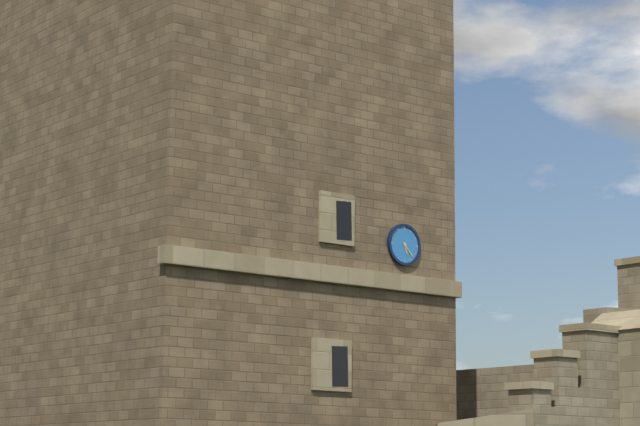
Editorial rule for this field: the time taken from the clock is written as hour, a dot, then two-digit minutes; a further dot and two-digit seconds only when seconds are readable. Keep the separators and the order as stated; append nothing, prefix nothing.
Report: 5.23
